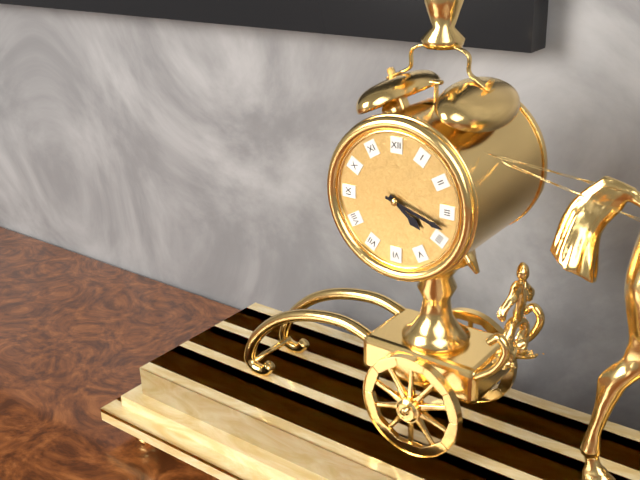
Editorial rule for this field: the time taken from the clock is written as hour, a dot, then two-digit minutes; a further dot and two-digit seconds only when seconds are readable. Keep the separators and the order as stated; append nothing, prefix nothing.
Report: 4.18
